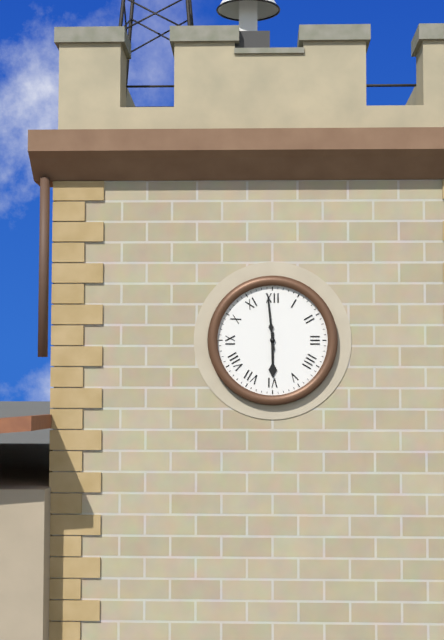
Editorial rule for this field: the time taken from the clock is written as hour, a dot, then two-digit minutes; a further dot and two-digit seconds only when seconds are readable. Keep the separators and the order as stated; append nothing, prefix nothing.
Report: 5.59
